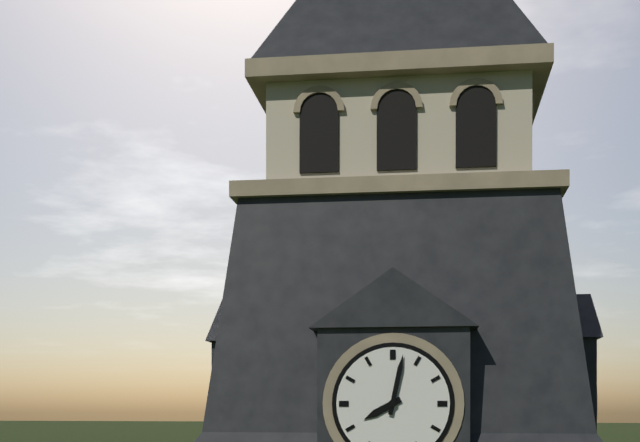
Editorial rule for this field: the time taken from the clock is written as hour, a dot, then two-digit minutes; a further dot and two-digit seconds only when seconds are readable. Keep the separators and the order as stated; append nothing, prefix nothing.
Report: 8.02
